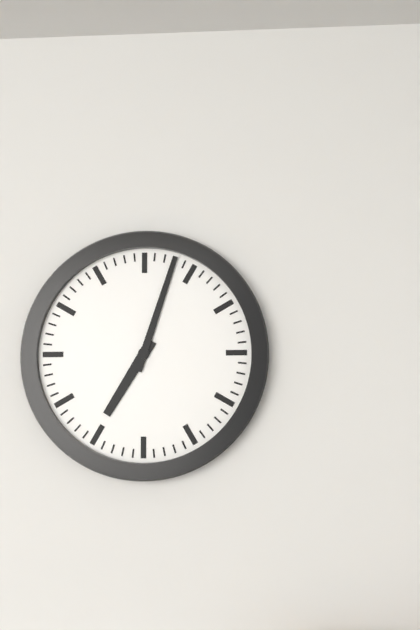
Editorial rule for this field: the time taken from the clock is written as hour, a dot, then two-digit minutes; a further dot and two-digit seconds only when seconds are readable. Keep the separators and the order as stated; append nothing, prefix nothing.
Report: 7.03
